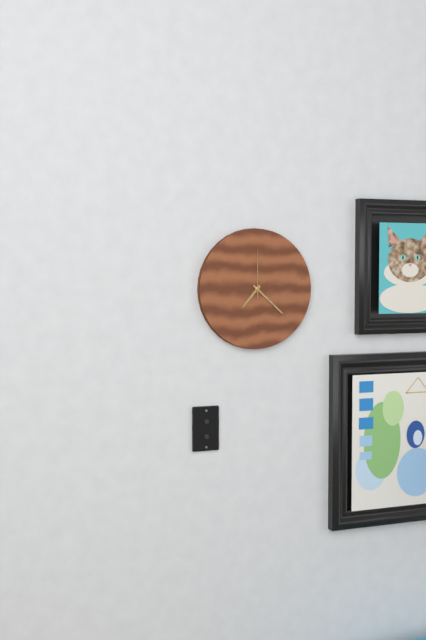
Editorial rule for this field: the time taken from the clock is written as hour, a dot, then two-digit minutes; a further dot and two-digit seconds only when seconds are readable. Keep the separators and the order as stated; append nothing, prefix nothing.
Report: 7.22.00
